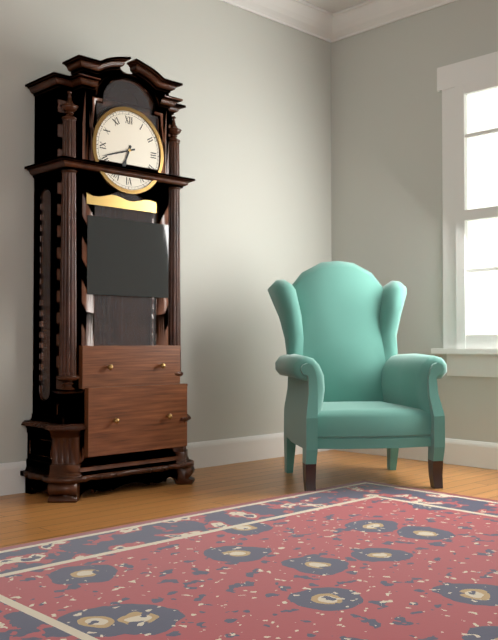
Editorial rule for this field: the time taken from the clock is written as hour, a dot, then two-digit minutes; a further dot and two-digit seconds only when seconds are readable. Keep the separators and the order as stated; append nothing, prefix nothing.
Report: 6.42
